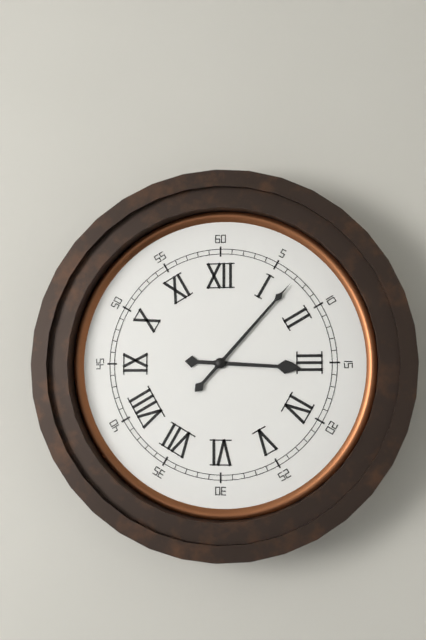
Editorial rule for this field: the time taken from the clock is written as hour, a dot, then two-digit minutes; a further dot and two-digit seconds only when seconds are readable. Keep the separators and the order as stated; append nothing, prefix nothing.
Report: 3.07
